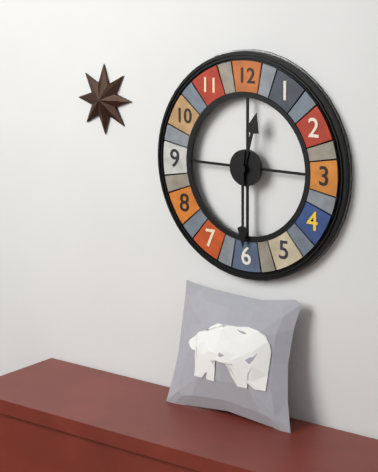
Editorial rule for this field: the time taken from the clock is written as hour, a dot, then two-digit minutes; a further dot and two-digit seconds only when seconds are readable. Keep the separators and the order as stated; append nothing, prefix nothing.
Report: 12.30
